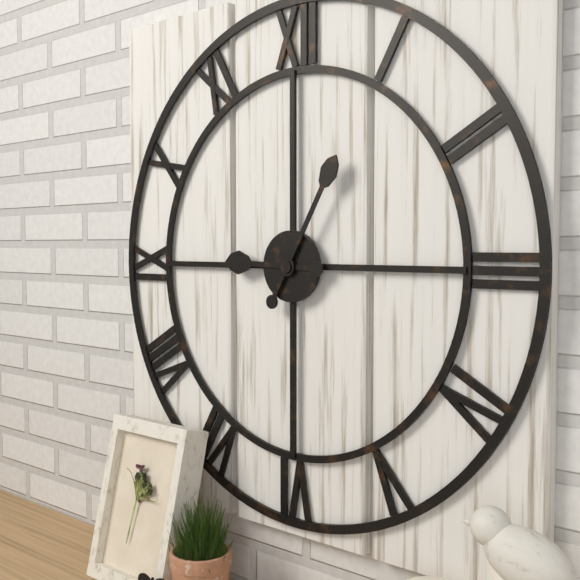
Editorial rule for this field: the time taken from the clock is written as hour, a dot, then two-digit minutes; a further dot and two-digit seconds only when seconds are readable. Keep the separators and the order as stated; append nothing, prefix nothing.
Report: 9.05
